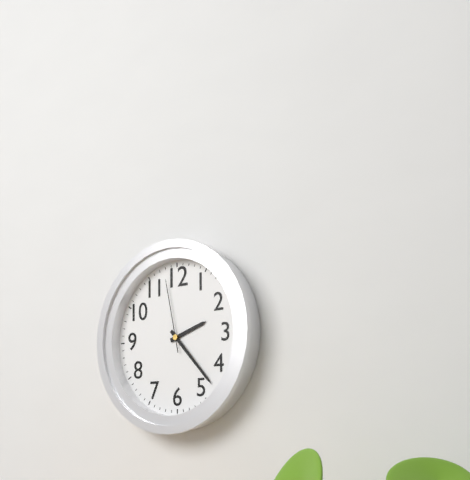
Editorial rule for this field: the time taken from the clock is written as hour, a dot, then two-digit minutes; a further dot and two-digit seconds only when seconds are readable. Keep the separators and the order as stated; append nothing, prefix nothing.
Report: 2.23.58
